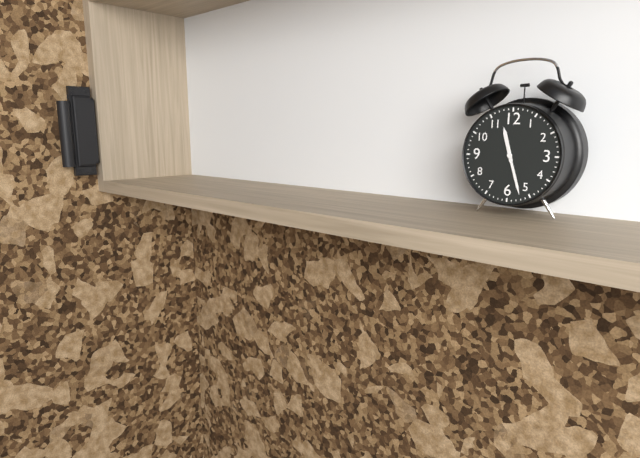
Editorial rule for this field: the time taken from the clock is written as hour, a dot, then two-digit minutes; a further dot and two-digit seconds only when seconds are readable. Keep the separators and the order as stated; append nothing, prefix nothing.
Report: 11.27
